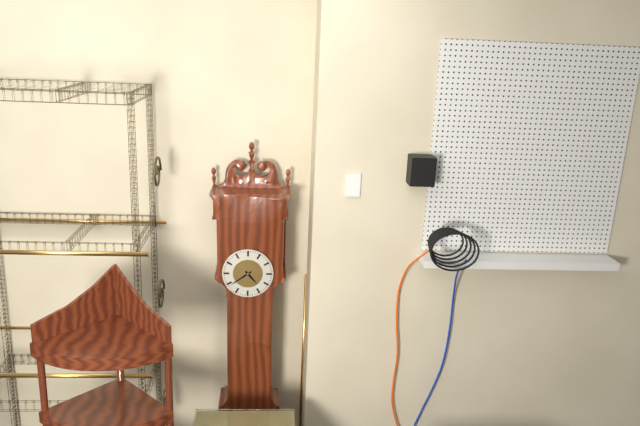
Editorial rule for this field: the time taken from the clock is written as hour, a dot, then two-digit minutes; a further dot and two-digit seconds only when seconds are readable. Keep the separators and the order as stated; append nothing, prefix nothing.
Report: 4.39
